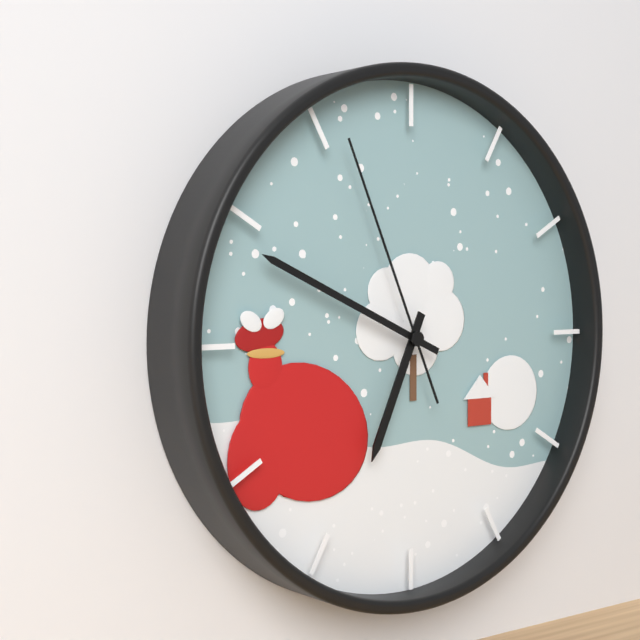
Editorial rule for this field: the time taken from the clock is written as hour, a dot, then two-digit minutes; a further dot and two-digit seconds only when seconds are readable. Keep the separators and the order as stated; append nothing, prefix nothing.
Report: 6.49.56
